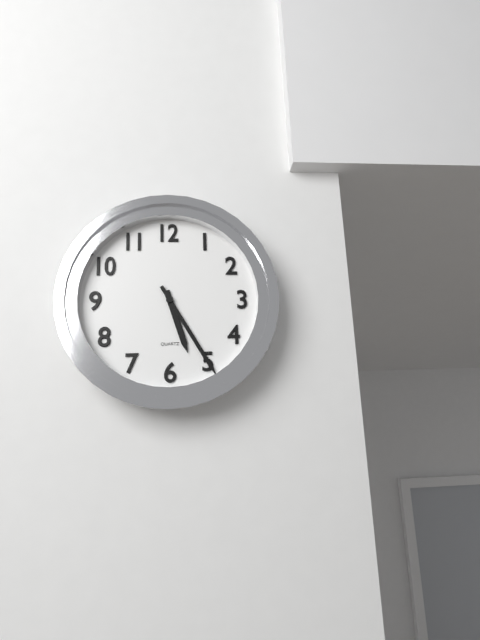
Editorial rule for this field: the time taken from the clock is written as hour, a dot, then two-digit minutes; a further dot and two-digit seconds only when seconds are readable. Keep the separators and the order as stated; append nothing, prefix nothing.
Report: 5.25
